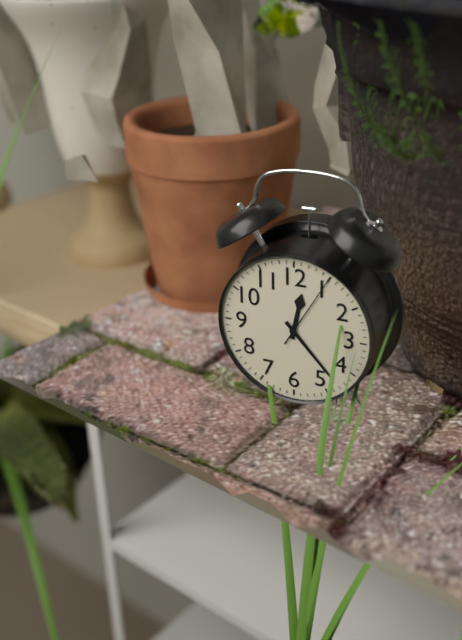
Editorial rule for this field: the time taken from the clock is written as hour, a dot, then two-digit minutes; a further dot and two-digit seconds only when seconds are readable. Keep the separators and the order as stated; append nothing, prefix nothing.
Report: 12.23.05
